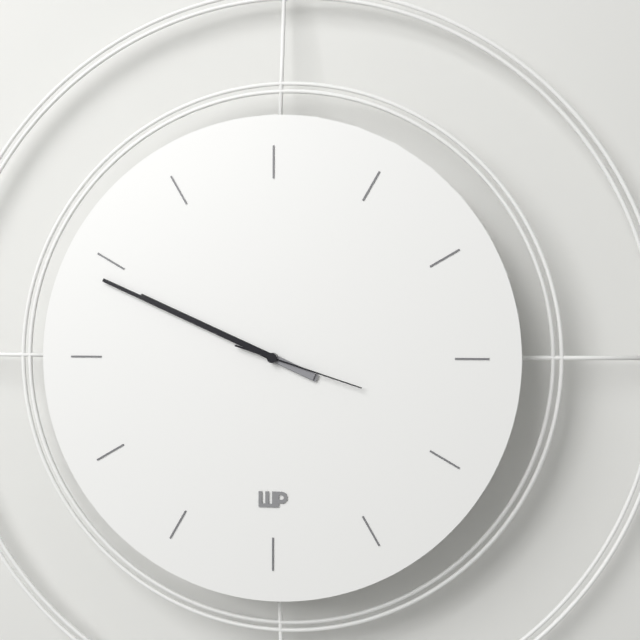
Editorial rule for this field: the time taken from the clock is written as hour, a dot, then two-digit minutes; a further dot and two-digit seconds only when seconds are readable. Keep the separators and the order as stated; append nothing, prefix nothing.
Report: 9.49.18
